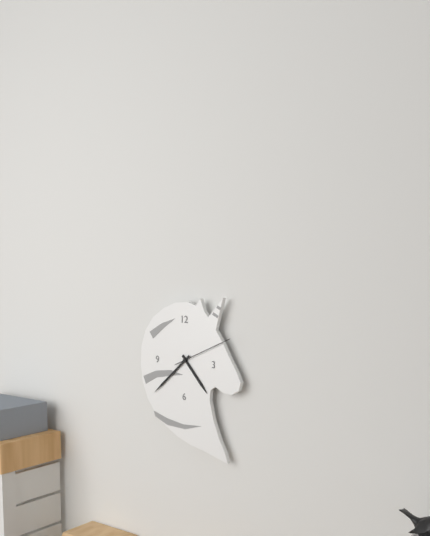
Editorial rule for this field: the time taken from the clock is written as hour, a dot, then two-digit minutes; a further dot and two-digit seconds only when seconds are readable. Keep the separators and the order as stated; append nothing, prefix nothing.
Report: 4.38.11
